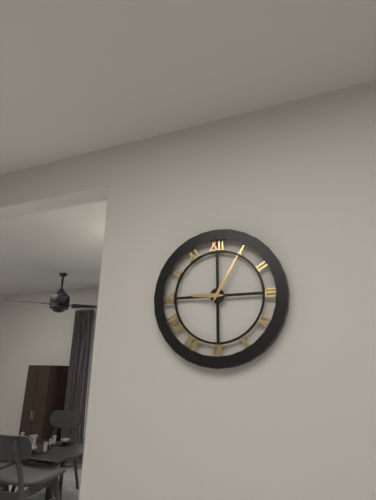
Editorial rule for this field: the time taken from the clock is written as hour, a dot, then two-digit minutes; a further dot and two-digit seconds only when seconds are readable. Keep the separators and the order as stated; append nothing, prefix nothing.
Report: 9.05
